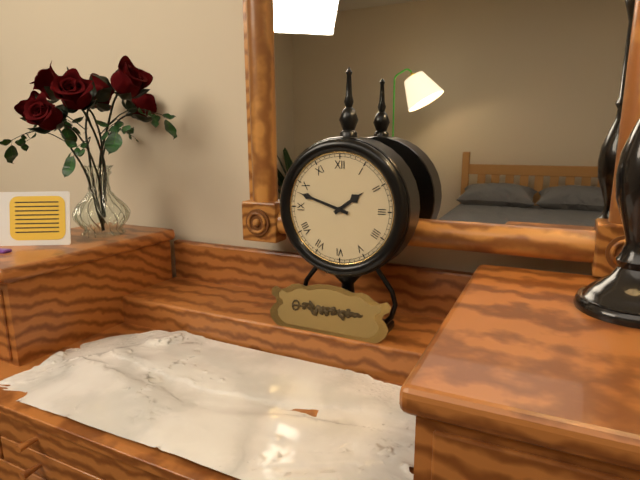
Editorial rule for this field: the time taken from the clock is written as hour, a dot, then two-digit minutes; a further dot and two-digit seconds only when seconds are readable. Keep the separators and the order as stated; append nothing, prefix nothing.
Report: 1.48
